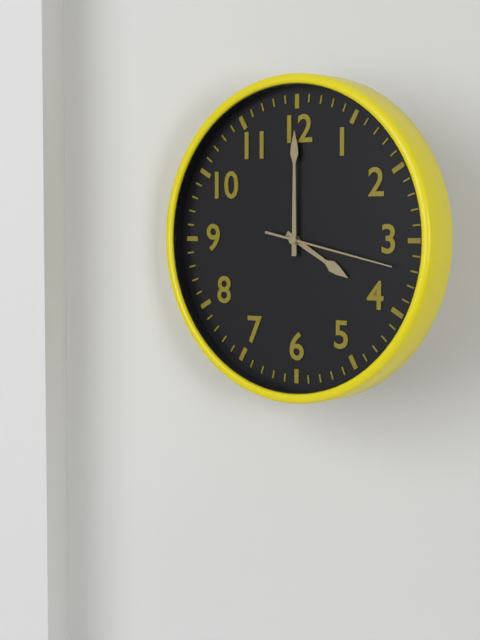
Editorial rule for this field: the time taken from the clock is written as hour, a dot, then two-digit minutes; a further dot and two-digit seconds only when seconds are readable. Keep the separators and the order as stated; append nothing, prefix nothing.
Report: 4.00.17
